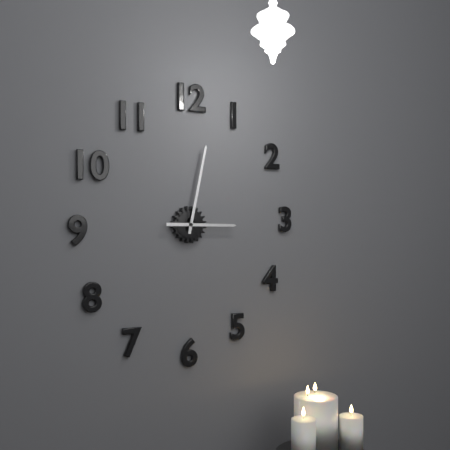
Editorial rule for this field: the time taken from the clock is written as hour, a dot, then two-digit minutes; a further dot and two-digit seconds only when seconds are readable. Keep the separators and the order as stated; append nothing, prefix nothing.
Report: 3.02
